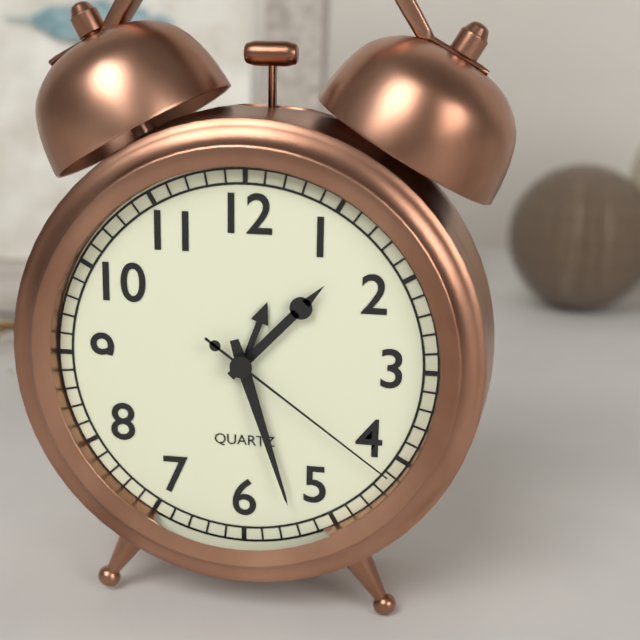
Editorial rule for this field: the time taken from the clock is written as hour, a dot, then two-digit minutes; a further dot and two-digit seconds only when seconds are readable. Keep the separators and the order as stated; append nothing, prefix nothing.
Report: 1.27.21
